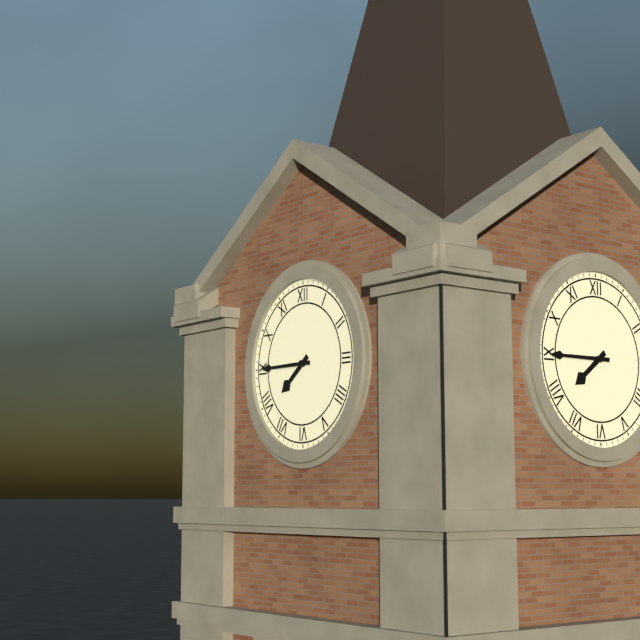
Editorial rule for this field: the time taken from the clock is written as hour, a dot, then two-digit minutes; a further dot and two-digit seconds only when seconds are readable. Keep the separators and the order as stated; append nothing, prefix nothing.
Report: 7.45
